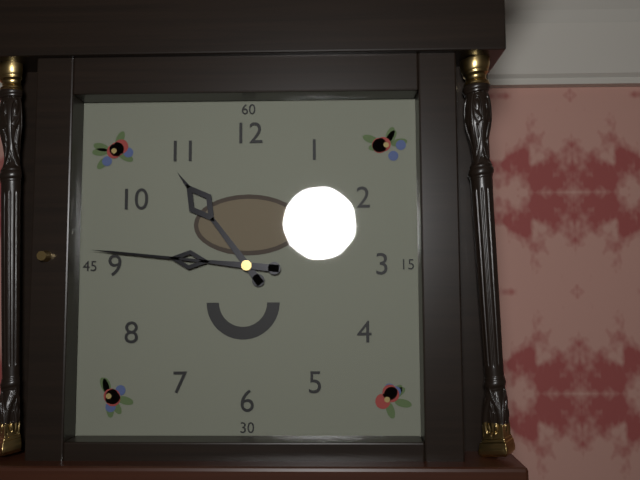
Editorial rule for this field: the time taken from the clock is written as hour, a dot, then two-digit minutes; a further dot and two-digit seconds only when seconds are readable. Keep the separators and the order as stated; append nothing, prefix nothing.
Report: 10.46
